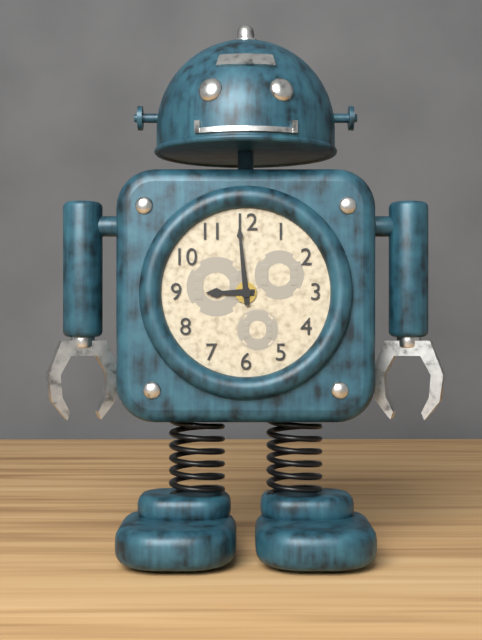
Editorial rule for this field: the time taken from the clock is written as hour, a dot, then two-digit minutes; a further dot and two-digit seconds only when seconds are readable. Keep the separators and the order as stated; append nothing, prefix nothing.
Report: 8.59
